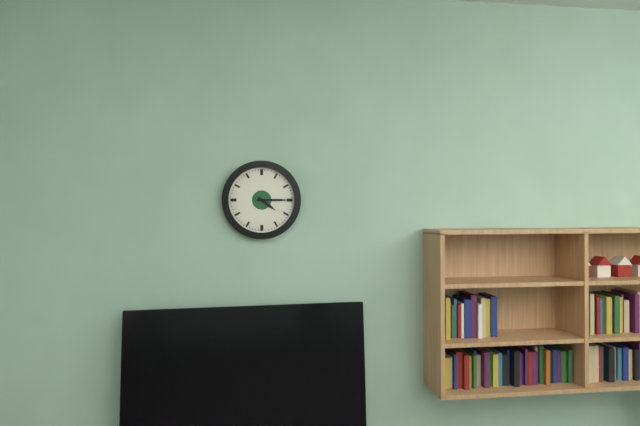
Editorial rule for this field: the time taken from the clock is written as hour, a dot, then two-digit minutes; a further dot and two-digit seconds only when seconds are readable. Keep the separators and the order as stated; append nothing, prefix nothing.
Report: 4.15
